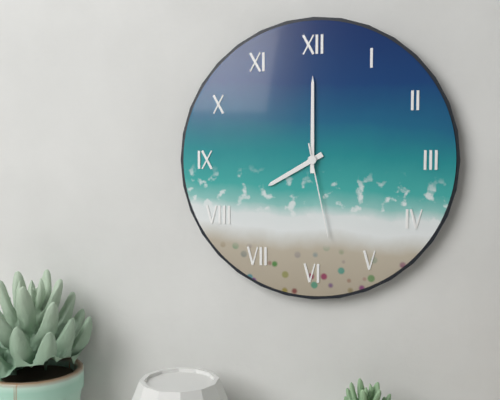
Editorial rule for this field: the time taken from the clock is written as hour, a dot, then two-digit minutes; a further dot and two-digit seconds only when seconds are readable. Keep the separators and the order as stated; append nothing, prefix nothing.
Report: 8.00.28
